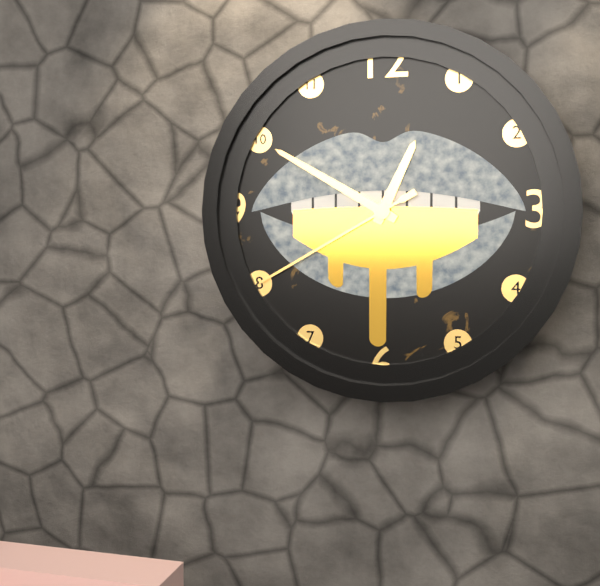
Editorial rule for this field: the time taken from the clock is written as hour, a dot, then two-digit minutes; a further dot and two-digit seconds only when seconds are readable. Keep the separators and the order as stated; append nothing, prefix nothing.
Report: 12.50.40
